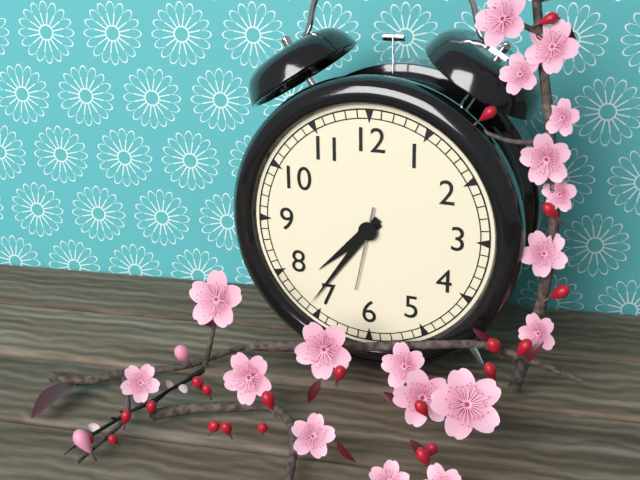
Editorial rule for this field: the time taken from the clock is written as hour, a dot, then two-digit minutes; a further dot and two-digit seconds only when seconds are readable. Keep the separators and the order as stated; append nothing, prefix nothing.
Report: 7.36.32
